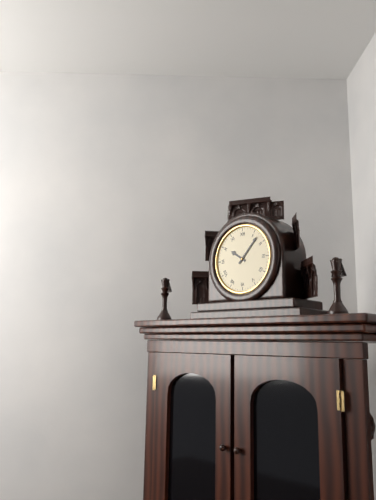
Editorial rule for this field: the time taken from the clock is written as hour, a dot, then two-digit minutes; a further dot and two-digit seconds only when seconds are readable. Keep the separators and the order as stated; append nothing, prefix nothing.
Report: 10.07
